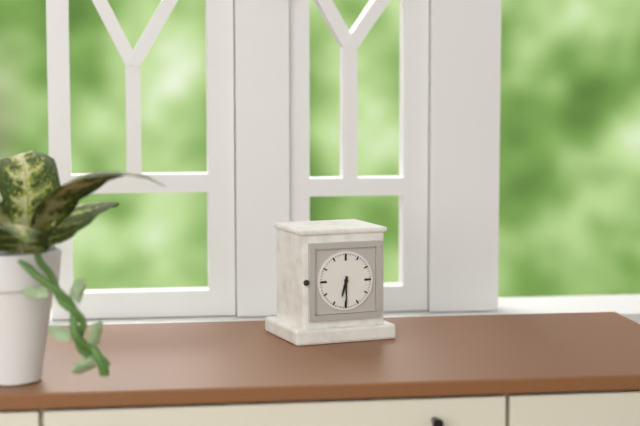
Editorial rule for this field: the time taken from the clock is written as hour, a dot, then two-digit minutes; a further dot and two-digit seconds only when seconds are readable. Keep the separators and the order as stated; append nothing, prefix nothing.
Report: 6.30
